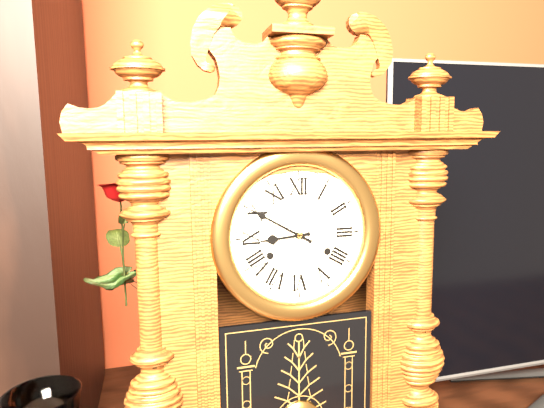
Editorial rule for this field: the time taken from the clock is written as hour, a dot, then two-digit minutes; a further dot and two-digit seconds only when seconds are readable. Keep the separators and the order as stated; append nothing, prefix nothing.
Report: 8.50
